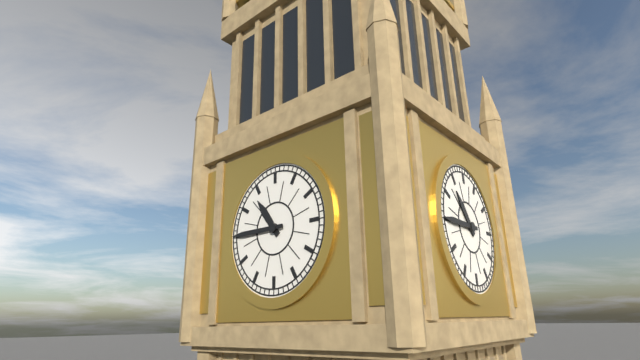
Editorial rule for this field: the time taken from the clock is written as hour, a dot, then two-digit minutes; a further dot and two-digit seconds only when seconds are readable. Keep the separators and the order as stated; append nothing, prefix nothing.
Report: 10.45
